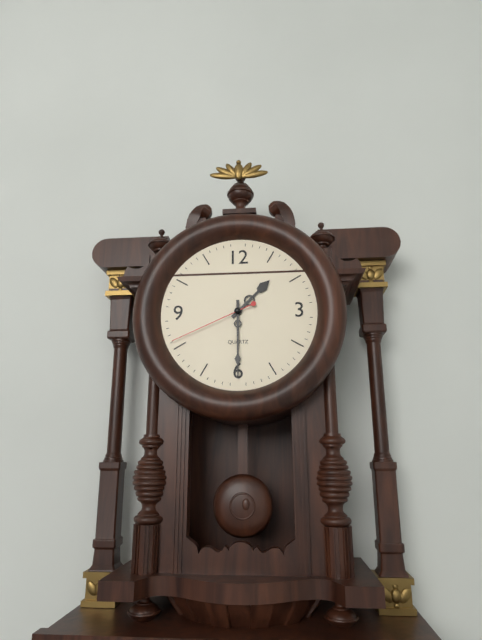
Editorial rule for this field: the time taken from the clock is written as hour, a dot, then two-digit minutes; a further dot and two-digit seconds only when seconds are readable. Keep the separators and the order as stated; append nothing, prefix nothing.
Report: 1.30.41
